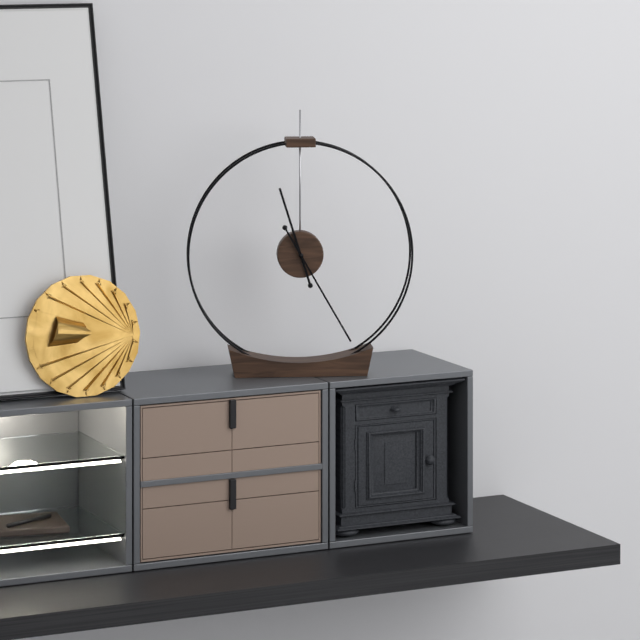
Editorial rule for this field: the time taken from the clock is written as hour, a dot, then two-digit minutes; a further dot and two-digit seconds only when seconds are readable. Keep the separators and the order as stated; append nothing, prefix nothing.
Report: 11.25
